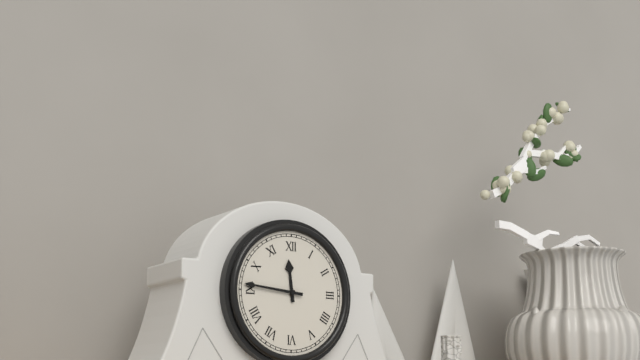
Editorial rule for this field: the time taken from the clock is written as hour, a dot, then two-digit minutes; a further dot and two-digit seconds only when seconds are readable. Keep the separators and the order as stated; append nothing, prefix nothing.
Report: 11.46
